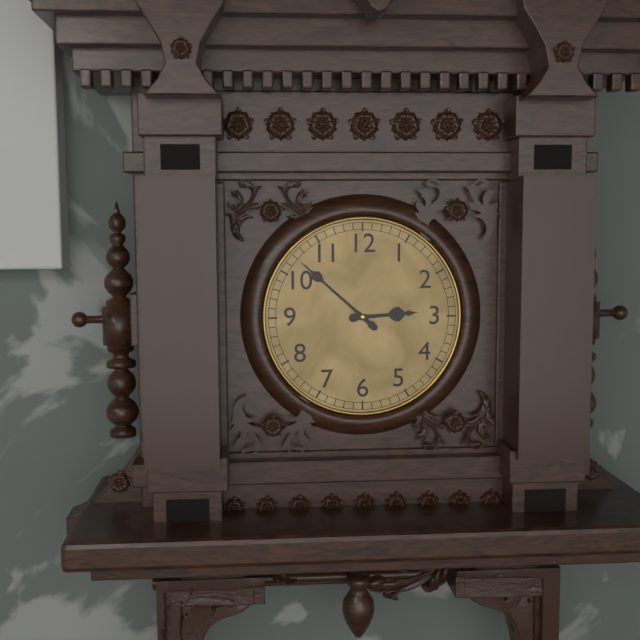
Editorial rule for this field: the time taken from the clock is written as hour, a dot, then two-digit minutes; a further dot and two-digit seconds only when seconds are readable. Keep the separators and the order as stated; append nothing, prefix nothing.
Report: 2.52
